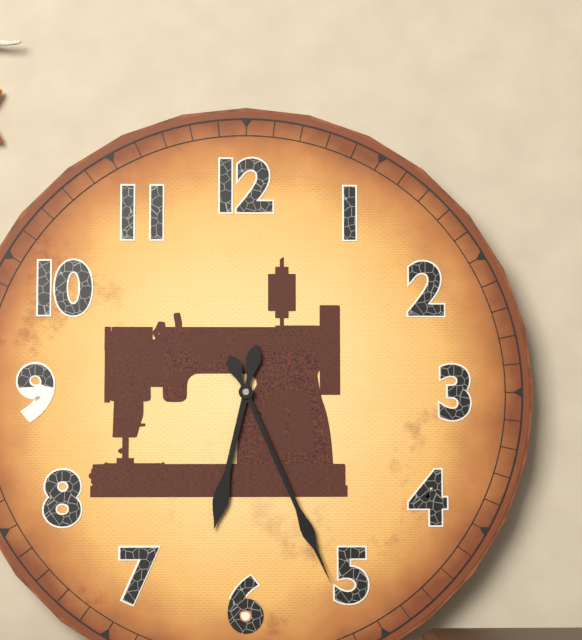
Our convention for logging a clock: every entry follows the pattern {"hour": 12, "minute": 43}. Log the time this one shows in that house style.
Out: {"hour": 6, "minute": 26}
